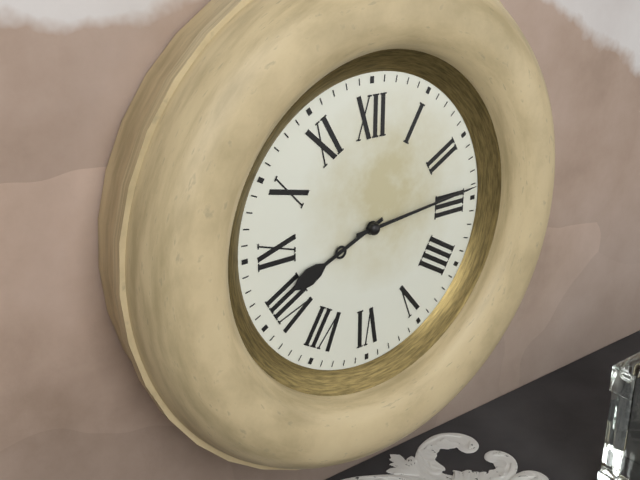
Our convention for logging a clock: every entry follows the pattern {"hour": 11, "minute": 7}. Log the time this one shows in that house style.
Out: {"hour": 8, "minute": 14}
